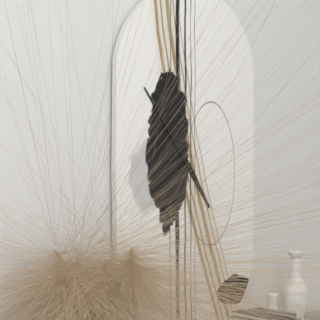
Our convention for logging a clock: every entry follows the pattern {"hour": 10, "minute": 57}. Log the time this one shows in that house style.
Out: {"hour": 4, "minute": 54}
